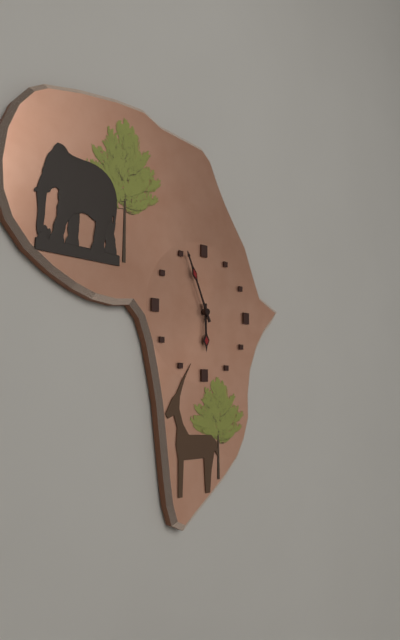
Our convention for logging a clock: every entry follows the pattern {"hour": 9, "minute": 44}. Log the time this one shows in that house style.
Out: {"hour": 5, "minute": 56}
